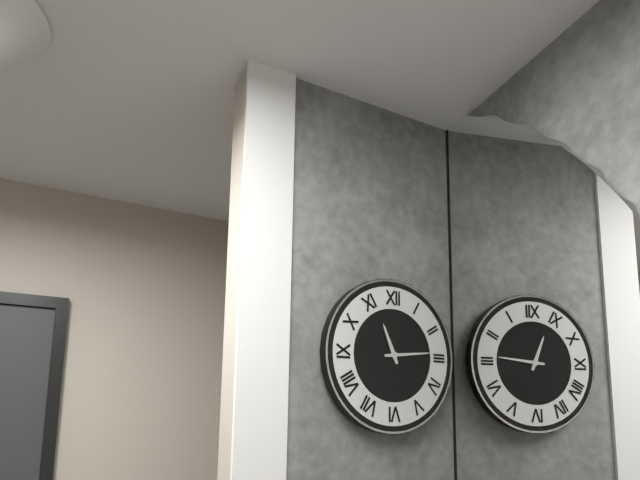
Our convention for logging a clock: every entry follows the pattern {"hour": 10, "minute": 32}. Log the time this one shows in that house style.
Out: {"hour": 11, "minute": 14}
